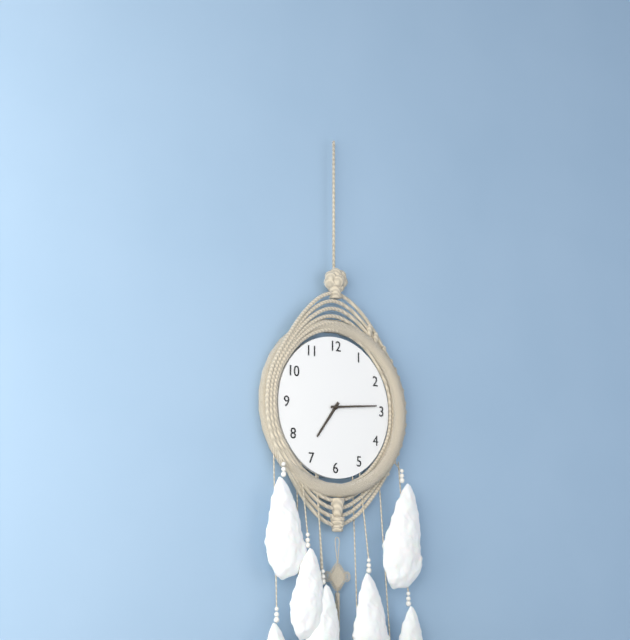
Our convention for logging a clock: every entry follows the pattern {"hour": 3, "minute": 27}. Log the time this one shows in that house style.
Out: {"hour": 7, "minute": 14}
